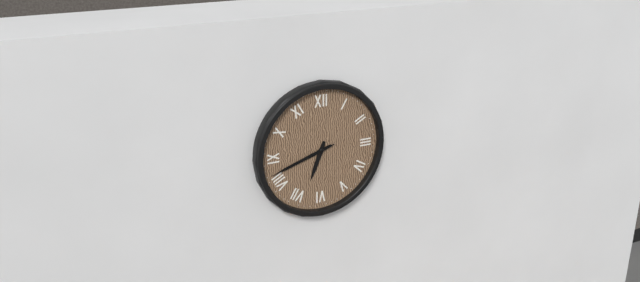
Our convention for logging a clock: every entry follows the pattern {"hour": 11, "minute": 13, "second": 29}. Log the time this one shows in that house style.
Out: {"hour": 6, "minute": 42, "second": 42}
